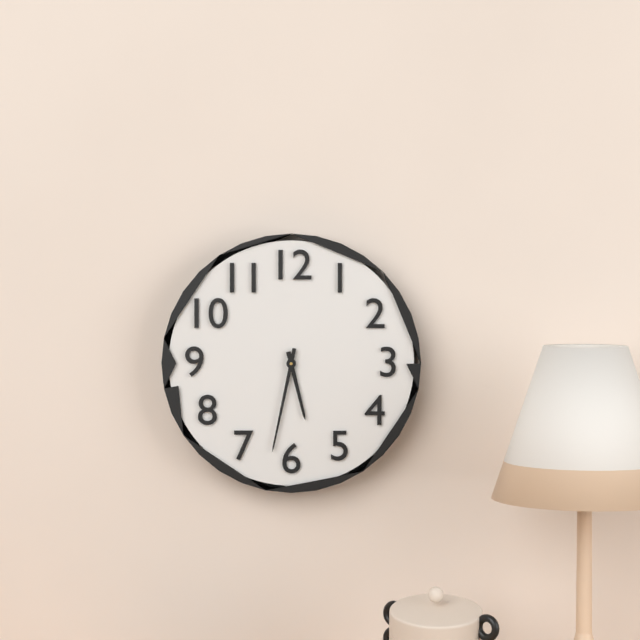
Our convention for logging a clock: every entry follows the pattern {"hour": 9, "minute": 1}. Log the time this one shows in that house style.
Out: {"hour": 5, "minute": 32}
